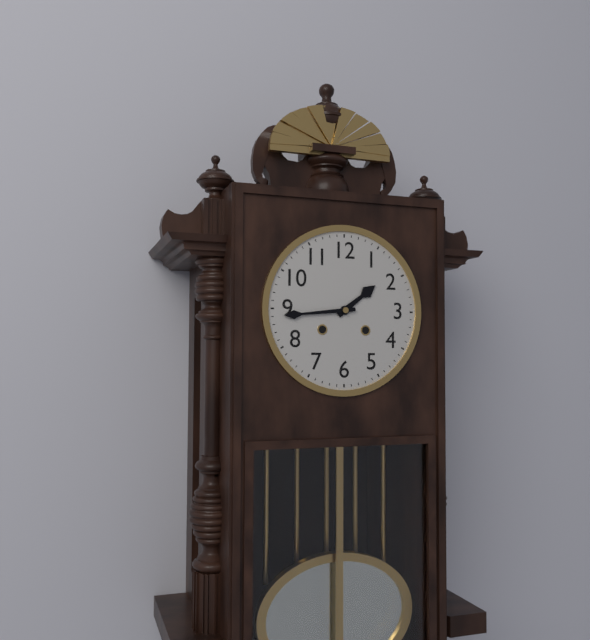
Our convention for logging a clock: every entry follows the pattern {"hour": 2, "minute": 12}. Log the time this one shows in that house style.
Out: {"hour": 1, "minute": 44}
